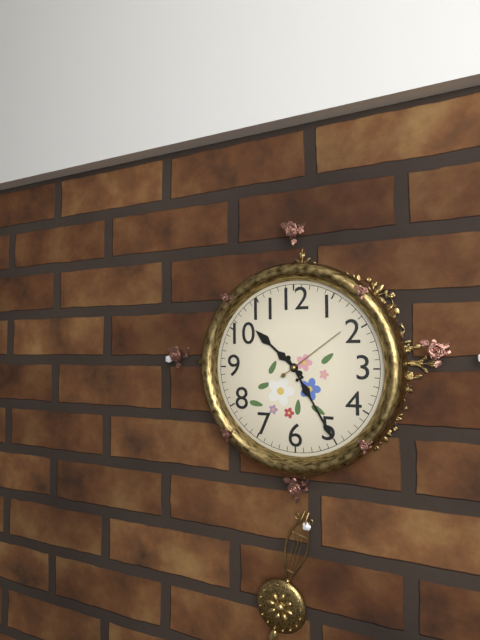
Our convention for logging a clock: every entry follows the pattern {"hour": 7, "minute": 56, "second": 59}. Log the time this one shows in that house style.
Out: {"hour": 10, "minute": 25, "second": 9}
